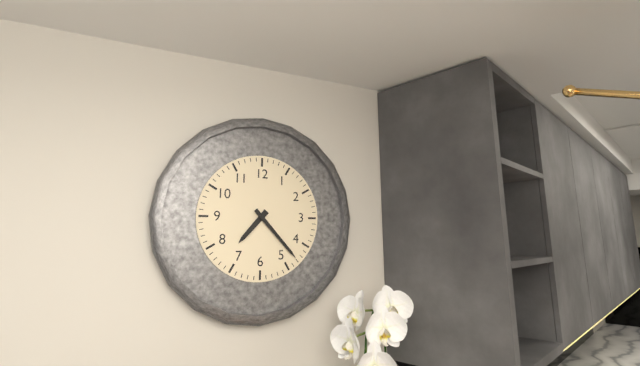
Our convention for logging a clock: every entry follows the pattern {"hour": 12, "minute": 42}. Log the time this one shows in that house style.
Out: {"hour": 7, "minute": 23}
